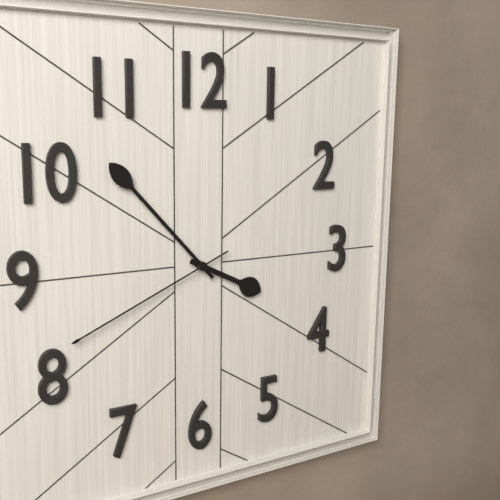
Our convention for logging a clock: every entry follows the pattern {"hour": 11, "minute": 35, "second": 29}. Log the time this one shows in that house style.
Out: {"hour": 3, "minute": 53, "second": 41}
